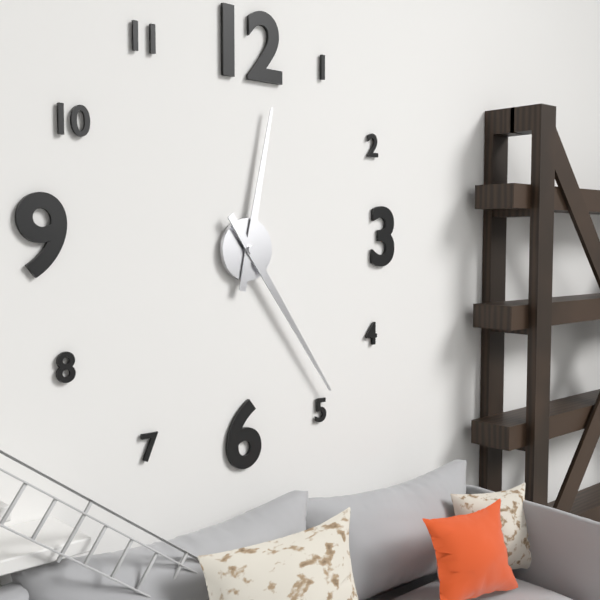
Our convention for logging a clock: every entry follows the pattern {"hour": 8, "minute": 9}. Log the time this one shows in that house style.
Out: {"hour": 12, "minute": 24}
